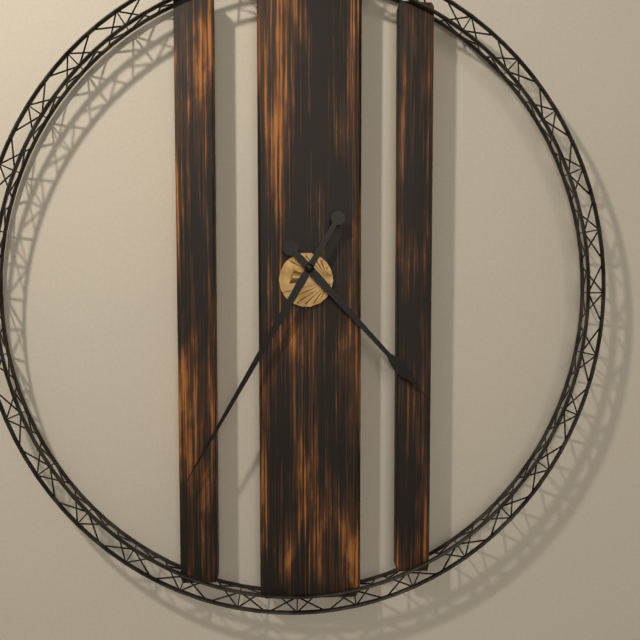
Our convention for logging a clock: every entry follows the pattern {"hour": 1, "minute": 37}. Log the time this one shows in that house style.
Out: {"hour": 4, "minute": 35}
